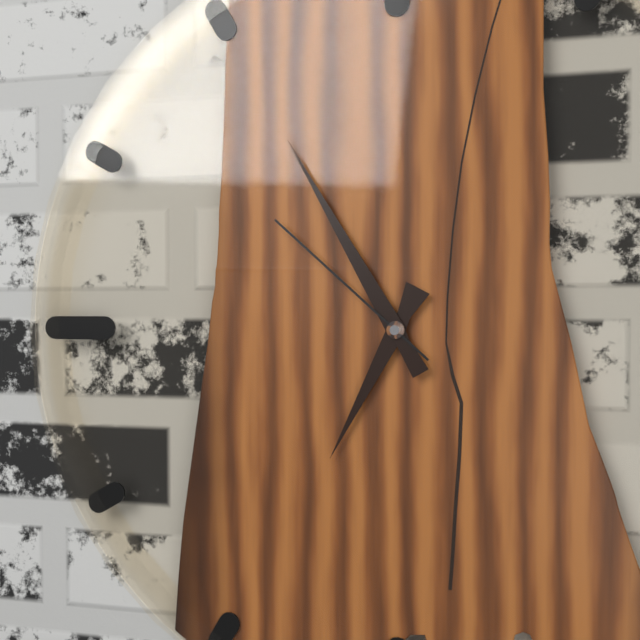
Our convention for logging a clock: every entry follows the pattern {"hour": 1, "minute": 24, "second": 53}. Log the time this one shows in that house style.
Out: {"hour": 6, "minute": 55, "second": 52}
